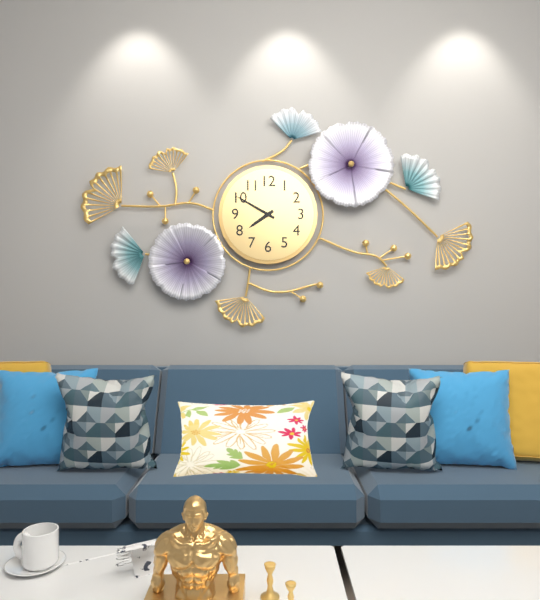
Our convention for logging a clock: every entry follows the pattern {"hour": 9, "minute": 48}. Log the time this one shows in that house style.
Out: {"hour": 7, "minute": 50}
